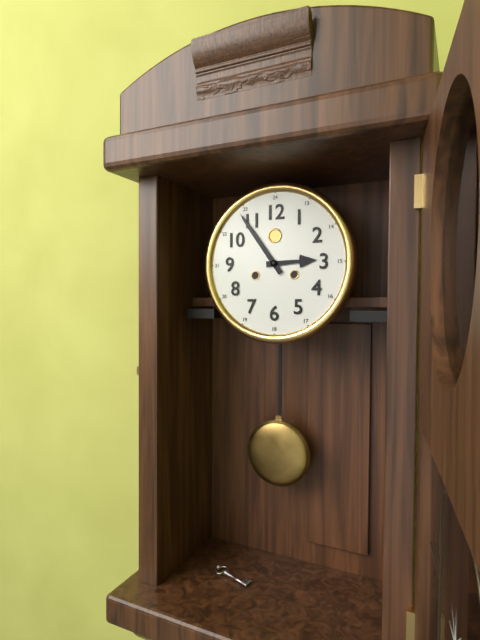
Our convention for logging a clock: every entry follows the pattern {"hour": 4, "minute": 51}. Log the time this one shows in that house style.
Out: {"hour": 2, "minute": 54}
